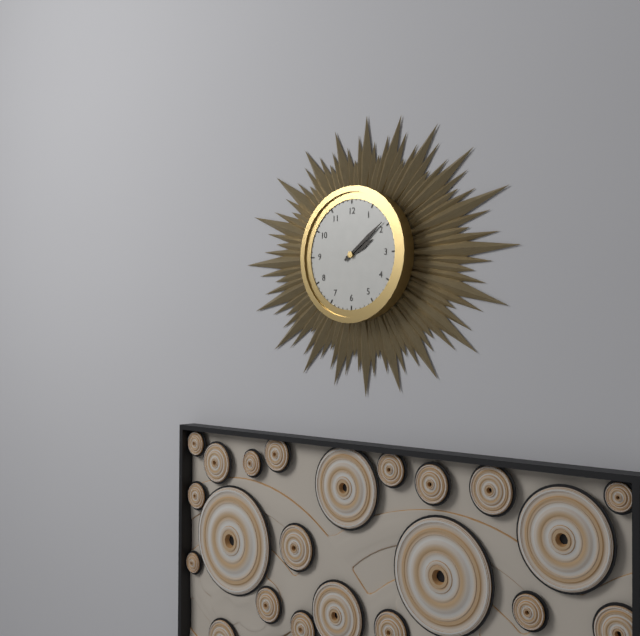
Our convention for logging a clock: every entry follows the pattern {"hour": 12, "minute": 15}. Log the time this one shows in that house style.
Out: {"hour": 2, "minute": 9}
